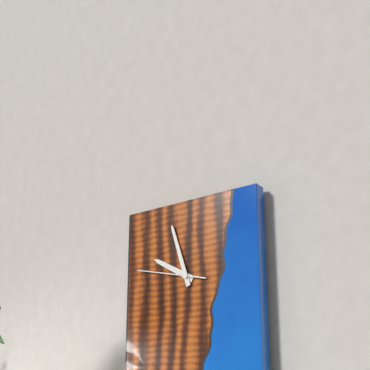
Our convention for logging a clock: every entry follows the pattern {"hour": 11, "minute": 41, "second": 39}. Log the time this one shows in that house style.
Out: {"hour": 9, "minute": 57, "second": 47}
